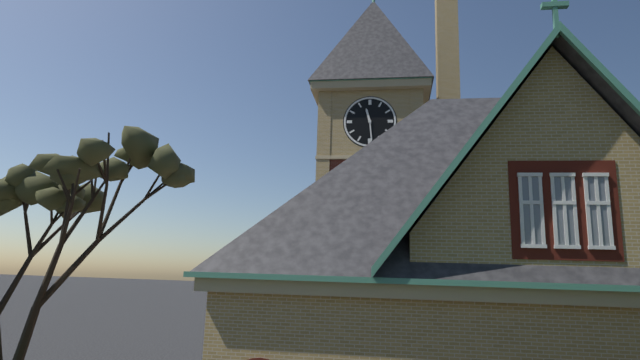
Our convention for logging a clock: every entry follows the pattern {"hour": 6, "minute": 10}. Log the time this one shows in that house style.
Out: {"hour": 11, "minute": 29}
